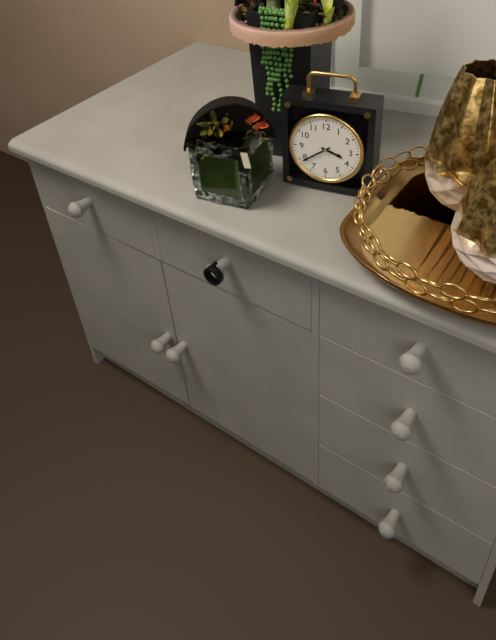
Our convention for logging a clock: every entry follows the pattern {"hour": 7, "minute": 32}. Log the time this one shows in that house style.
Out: {"hour": 3, "minute": 39}
